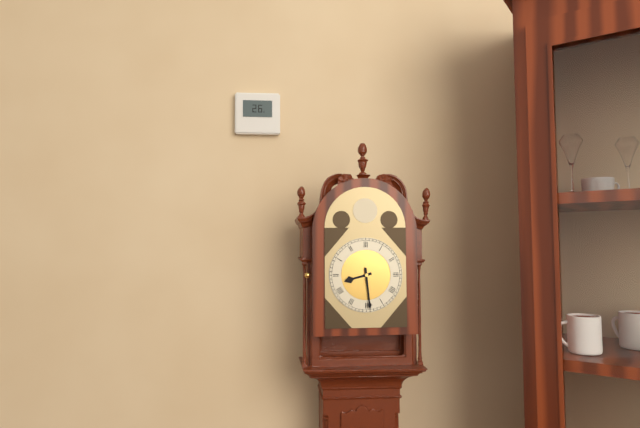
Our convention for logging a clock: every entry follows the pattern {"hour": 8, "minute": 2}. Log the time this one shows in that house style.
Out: {"hour": 8, "minute": 29}
